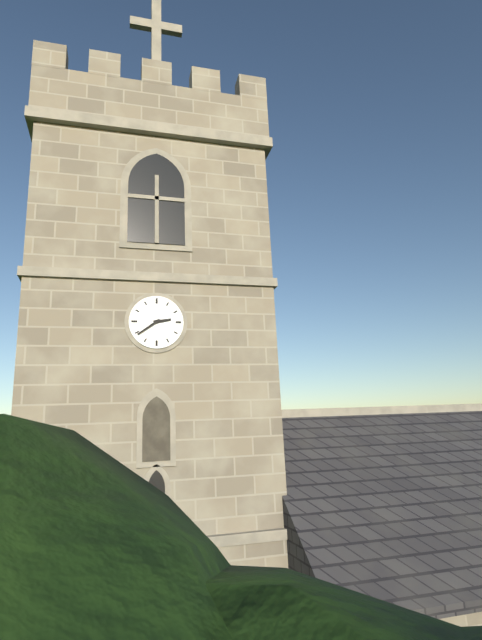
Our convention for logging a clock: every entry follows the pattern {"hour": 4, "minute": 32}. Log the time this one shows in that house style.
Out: {"hour": 2, "minute": 39}
